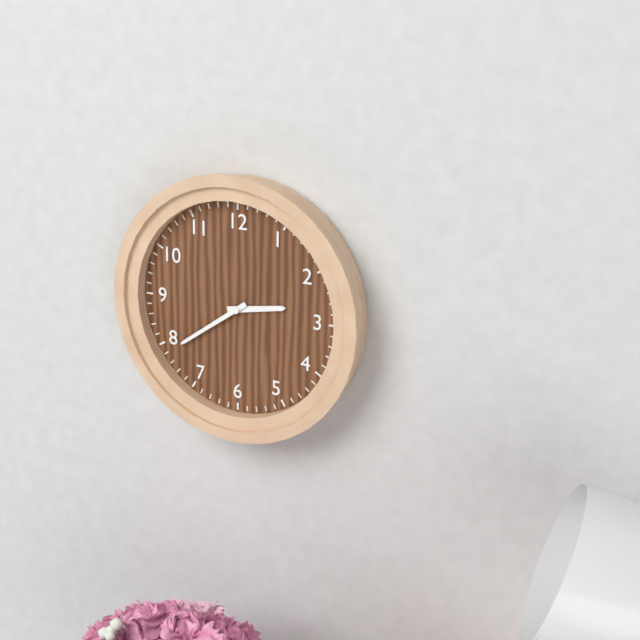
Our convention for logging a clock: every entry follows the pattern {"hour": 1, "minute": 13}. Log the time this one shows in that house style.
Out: {"hour": 2, "minute": 39}
